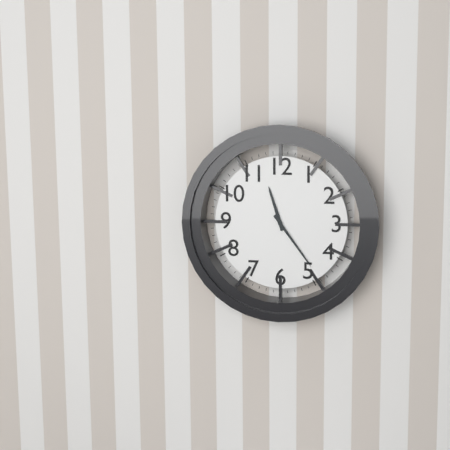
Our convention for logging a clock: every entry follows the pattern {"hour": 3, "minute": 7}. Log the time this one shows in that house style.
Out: {"hour": 11, "minute": 24}
